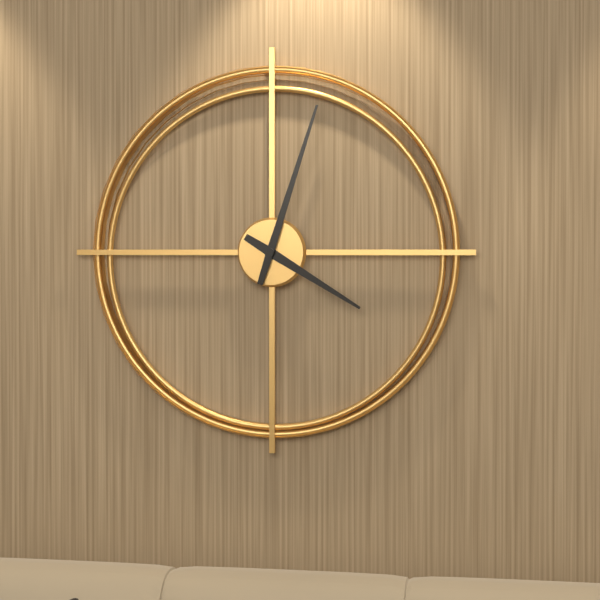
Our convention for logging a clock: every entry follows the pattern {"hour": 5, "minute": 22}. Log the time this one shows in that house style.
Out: {"hour": 4, "minute": 3}
